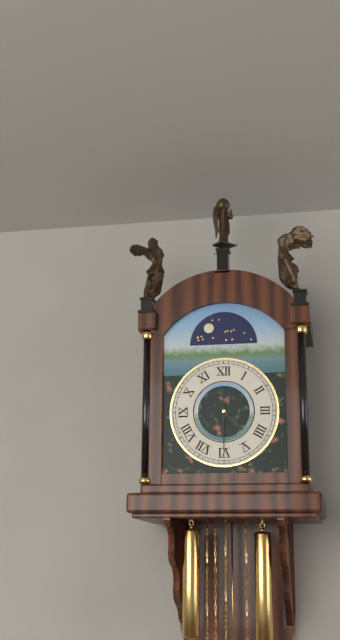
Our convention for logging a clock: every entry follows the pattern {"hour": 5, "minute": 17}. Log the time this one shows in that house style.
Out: {"hour": 4, "minute": 30}
